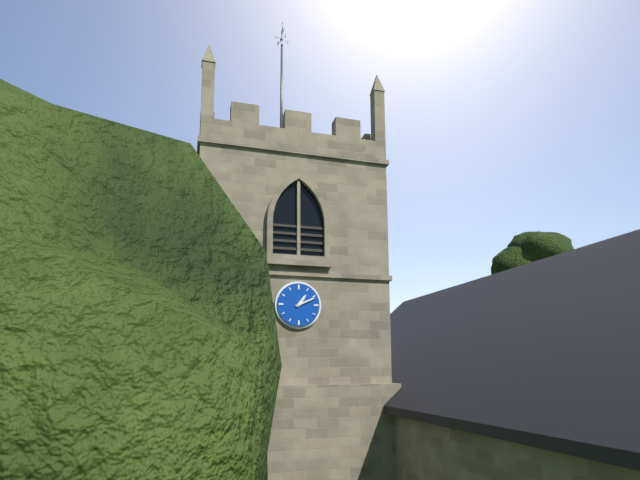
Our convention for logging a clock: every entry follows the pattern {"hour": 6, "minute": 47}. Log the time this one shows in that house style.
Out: {"hour": 1, "minute": 11}
